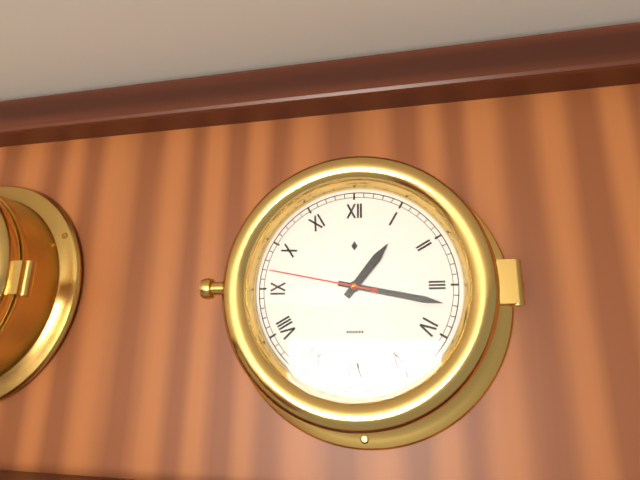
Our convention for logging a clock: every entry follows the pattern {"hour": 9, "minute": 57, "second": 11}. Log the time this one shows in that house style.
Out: {"hour": 1, "minute": 17, "second": 47}
